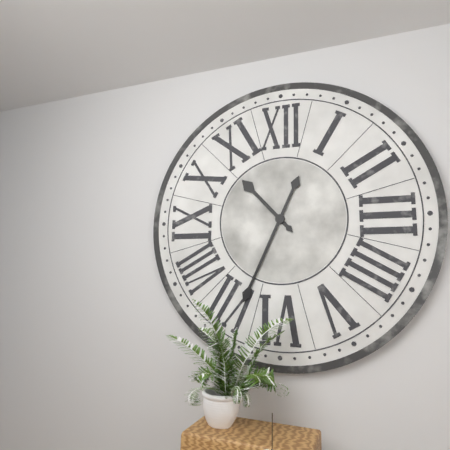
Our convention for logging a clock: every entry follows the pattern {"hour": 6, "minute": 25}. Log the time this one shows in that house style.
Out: {"hour": 10, "minute": 34}
